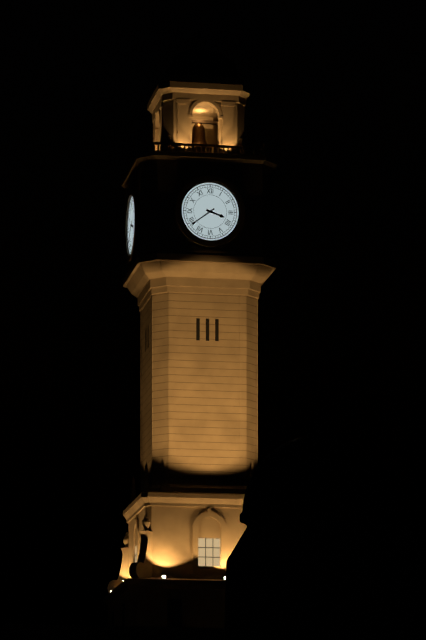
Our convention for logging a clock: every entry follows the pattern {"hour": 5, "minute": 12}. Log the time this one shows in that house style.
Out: {"hour": 3, "minute": 39}
